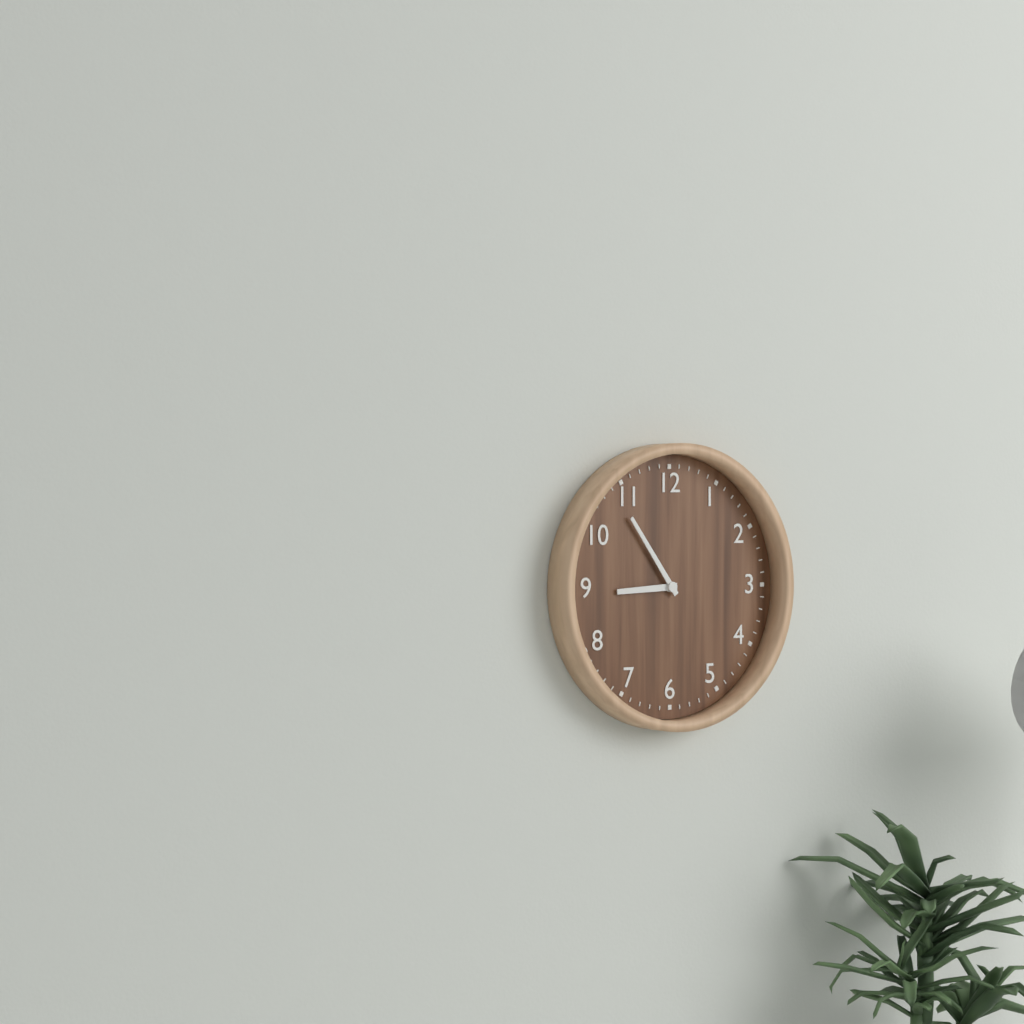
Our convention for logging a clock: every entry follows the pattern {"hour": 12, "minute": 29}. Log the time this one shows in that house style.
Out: {"hour": 8, "minute": 54}
